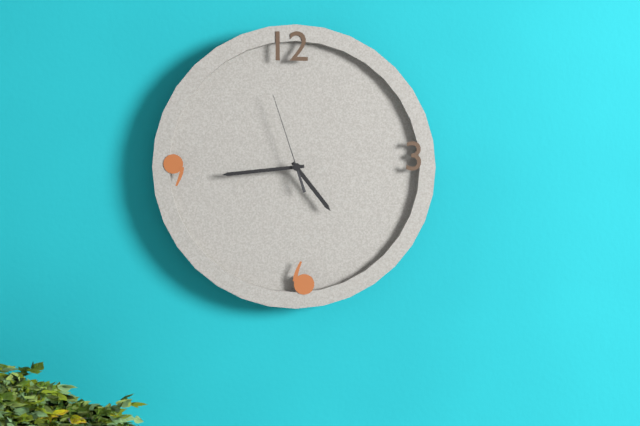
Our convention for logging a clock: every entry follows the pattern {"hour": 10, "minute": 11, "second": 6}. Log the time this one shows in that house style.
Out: {"hour": 4, "minute": 44, "second": 57}
